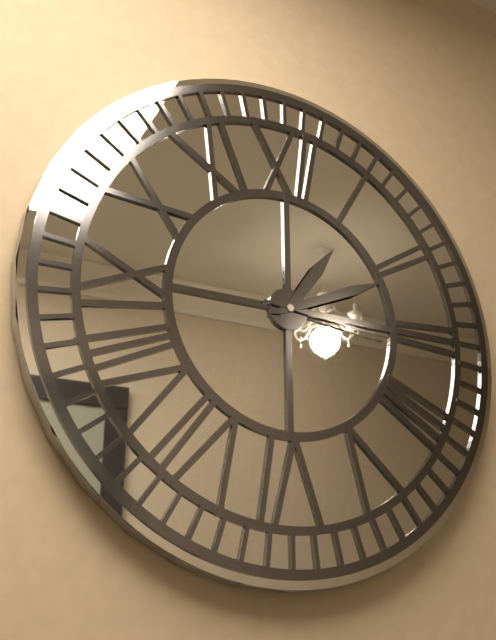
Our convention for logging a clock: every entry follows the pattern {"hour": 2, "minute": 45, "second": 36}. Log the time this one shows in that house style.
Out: {"hour": 1, "minute": 11, "second": 16}
